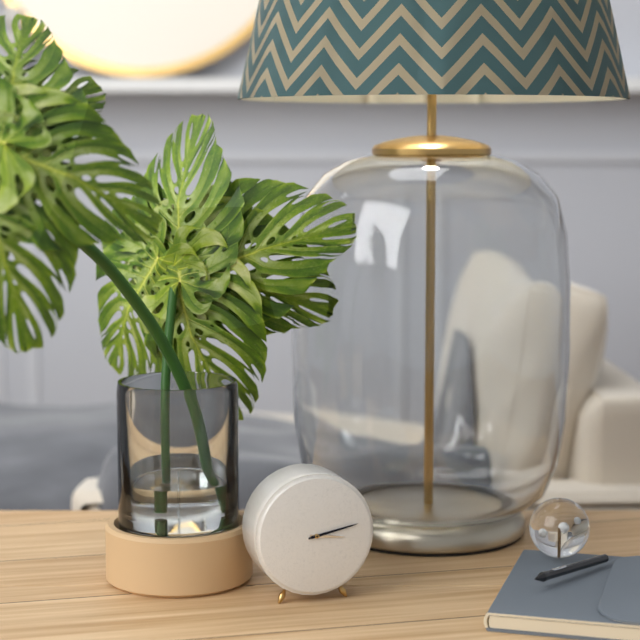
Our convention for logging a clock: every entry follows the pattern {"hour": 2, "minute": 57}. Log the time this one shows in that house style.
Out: {"hour": 3, "minute": 13}
